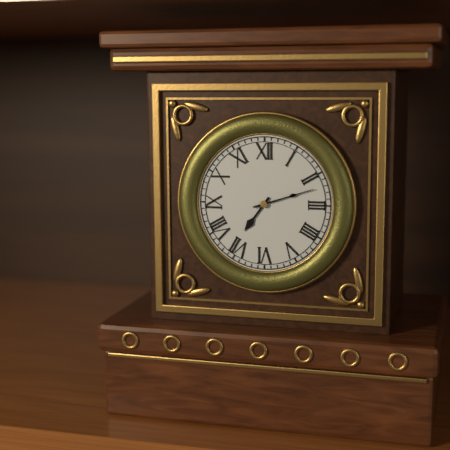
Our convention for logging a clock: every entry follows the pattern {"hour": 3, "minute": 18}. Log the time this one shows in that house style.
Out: {"hour": 7, "minute": 12}
